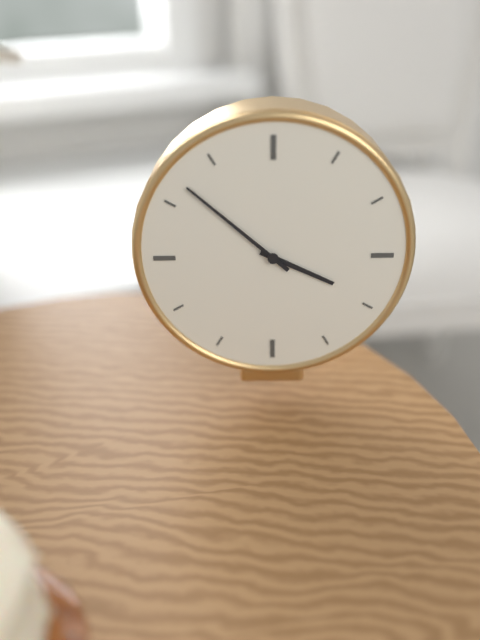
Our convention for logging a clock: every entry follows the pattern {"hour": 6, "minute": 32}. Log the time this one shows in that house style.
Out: {"hour": 3, "minute": 52}
